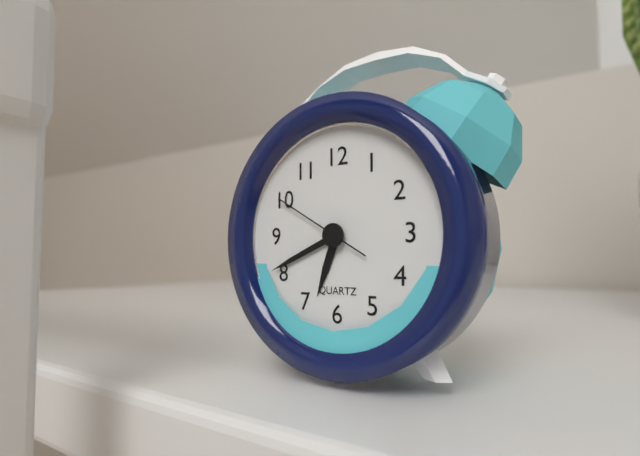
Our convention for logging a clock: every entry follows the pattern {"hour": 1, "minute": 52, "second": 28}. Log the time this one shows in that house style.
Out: {"hour": 6, "minute": 41, "second": 50}
